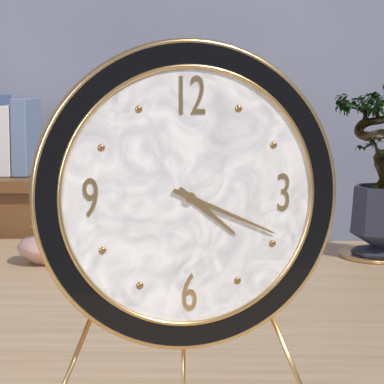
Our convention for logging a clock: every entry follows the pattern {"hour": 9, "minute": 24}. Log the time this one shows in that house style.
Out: {"hour": 4, "minute": 19}
